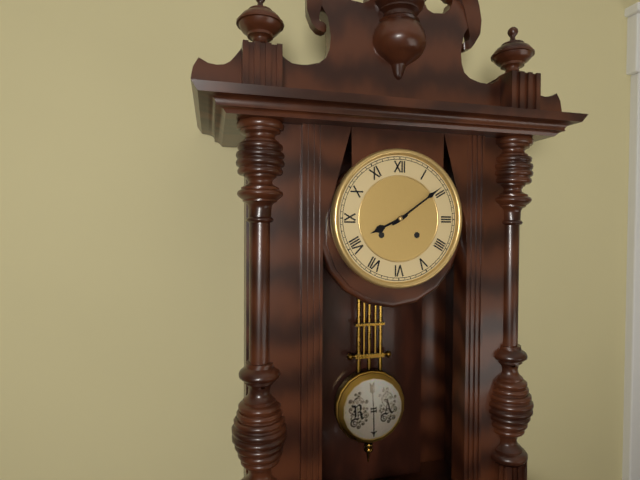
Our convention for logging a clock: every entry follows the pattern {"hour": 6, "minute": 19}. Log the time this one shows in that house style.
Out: {"hour": 8, "minute": 9}
